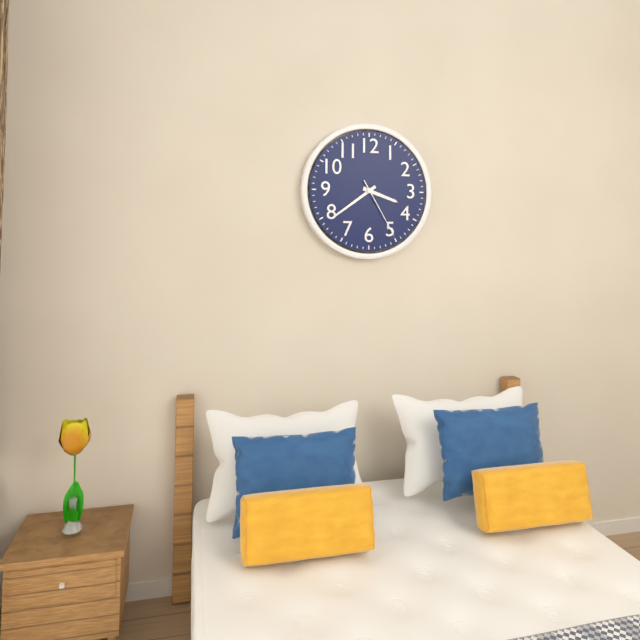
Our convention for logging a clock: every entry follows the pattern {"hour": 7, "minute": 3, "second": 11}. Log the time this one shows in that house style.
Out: {"hour": 3, "minute": 39, "second": 25}
